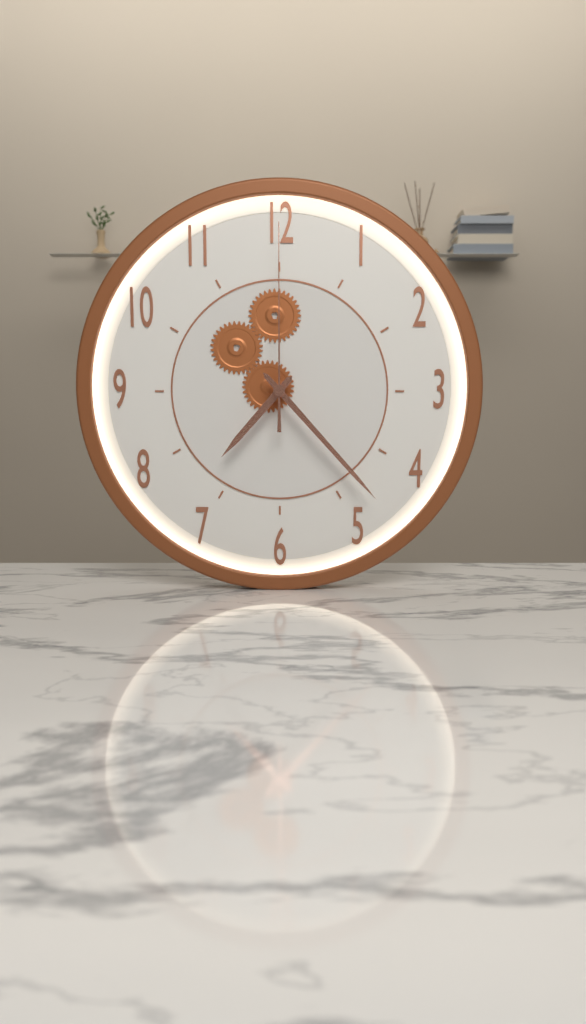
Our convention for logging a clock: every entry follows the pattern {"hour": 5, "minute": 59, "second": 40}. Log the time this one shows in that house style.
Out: {"hour": 7, "minute": 23, "second": 0}
